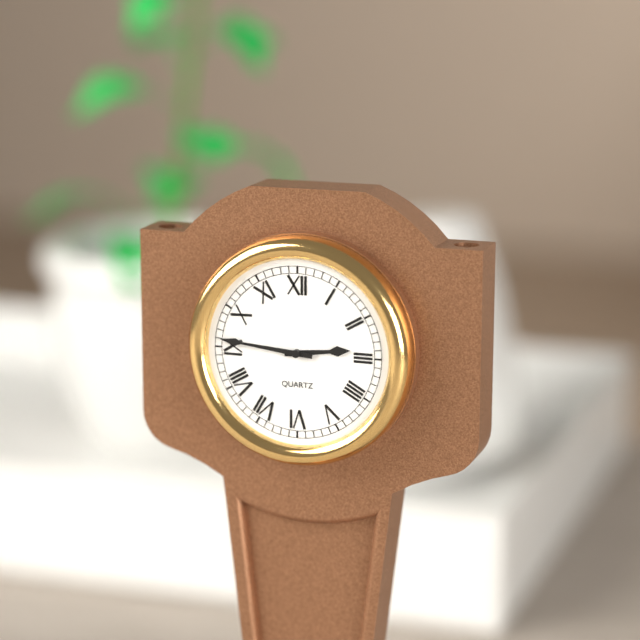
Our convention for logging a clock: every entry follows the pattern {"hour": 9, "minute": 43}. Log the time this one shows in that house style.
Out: {"hour": 2, "minute": 46}
